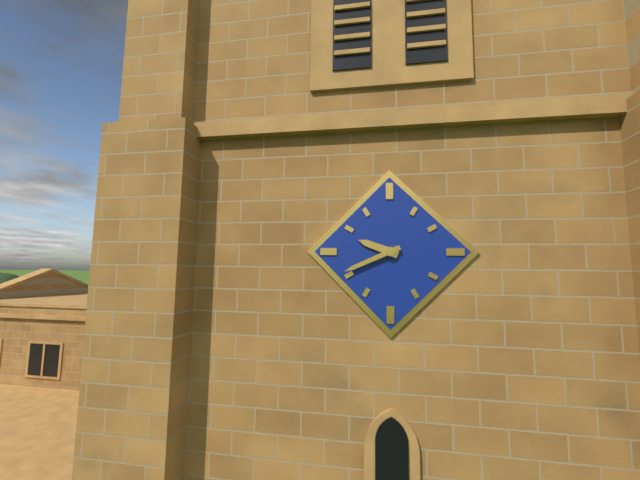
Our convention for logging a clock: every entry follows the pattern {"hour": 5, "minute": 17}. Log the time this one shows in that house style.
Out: {"hour": 9, "minute": 41}
